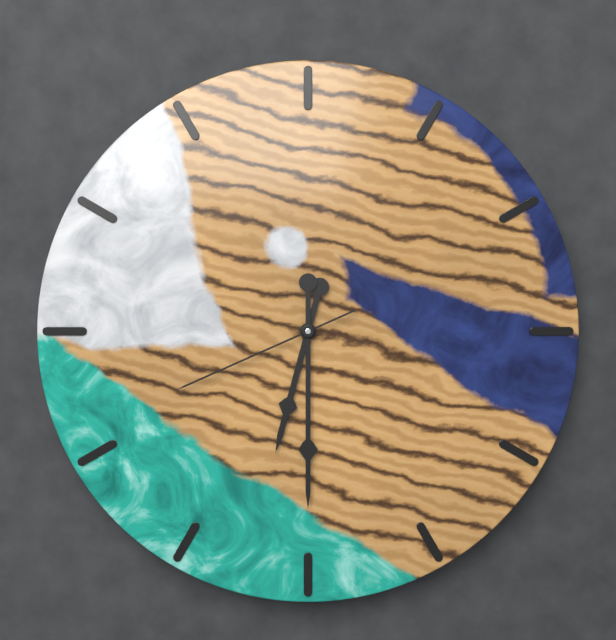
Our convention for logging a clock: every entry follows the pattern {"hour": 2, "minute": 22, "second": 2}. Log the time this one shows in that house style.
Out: {"hour": 6, "minute": 30, "second": 41}
